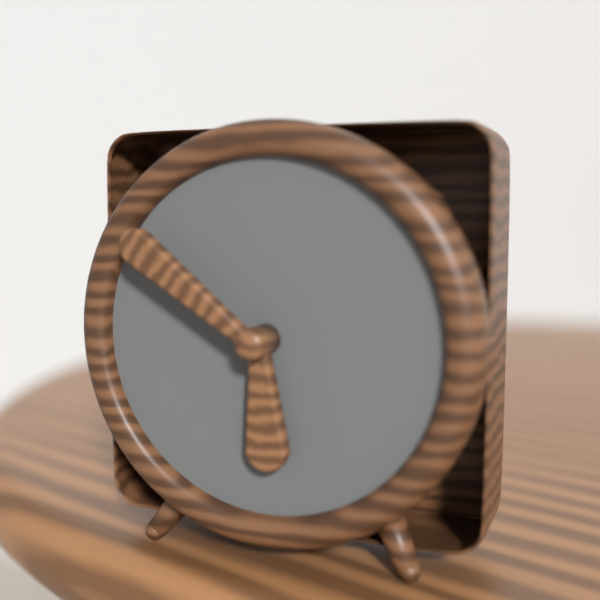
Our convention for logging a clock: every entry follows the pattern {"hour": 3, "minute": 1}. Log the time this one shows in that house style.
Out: {"hour": 5, "minute": 51}
